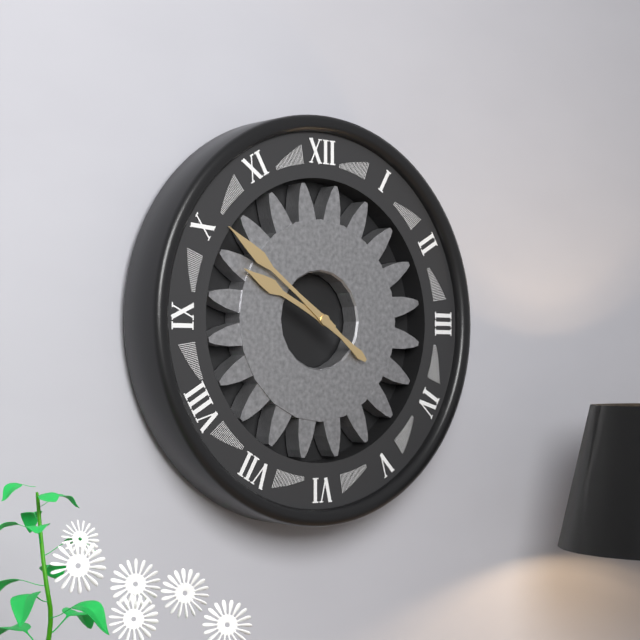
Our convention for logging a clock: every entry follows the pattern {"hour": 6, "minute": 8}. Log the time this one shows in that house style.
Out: {"hour": 9, "minute": 51}
